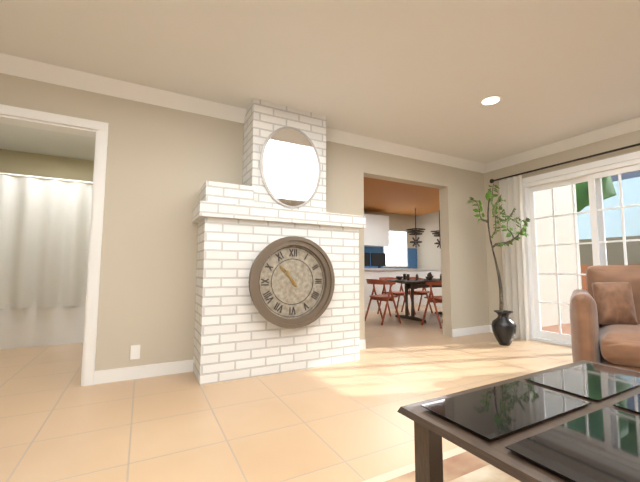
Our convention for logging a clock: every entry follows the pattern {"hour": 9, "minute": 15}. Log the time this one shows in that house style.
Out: {"hour": 10, "minute": 53}
